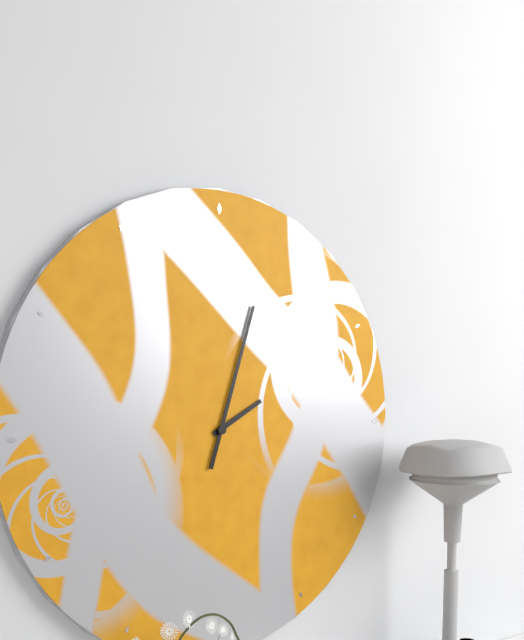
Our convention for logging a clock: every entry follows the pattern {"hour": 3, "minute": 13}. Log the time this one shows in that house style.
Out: {"hour": 2, "minute": 3}
